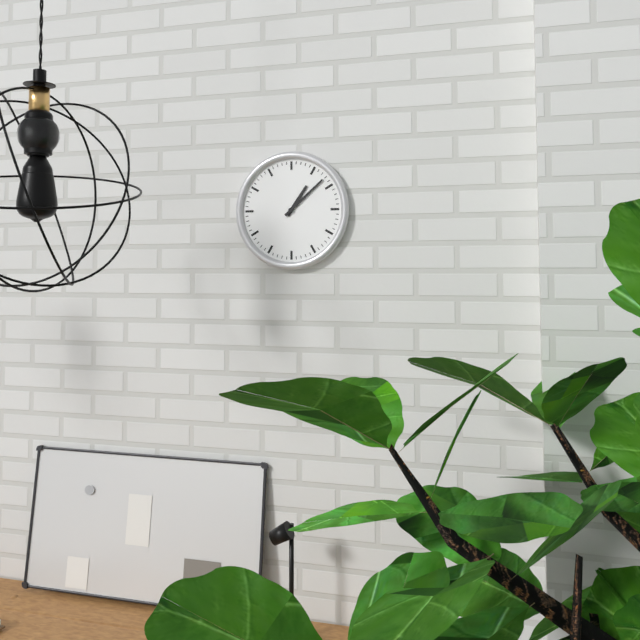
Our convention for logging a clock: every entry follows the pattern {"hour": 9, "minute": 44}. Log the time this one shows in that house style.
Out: {"hour": 1, "minute": 8}
